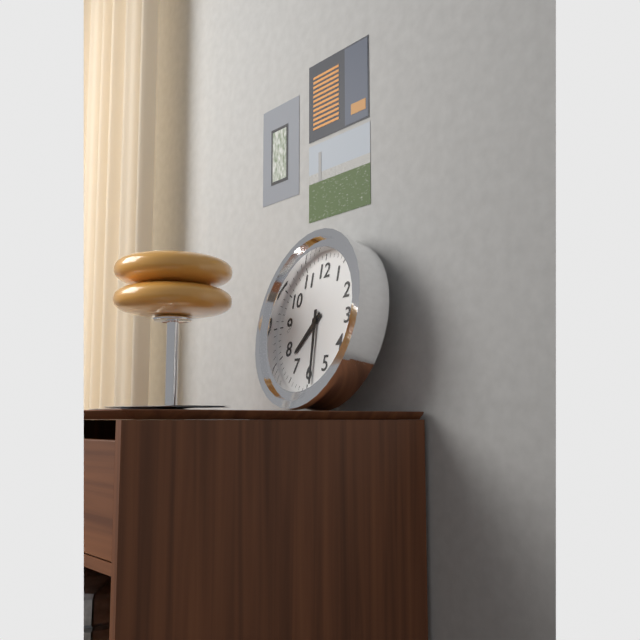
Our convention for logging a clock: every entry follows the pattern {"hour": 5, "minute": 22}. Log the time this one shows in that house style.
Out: {"hour": 7, "minute": 29}
